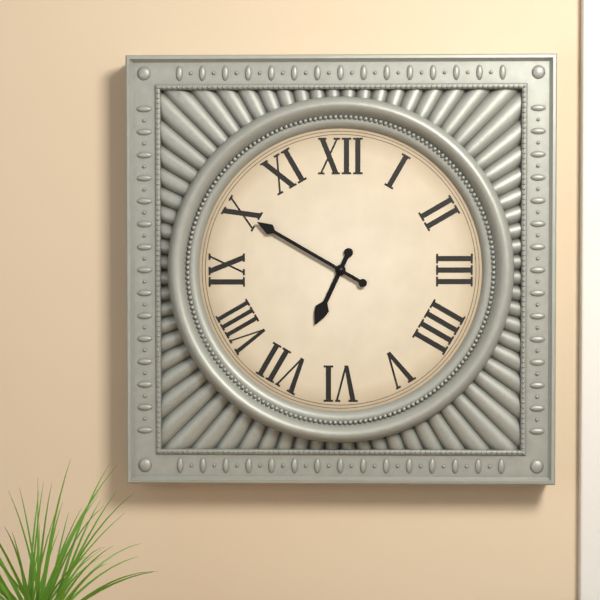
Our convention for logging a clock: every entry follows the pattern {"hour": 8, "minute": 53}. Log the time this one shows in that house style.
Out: {"hour": 6, "minute": 50}
